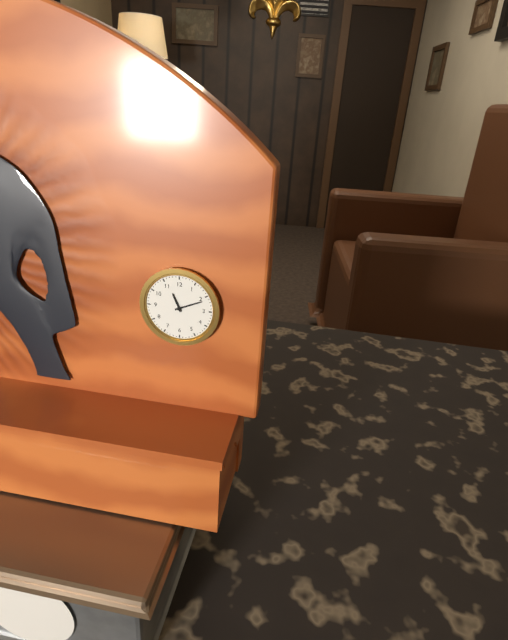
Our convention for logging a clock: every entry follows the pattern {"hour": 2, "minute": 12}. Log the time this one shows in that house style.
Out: {"hour": 11, "minute": 11}
